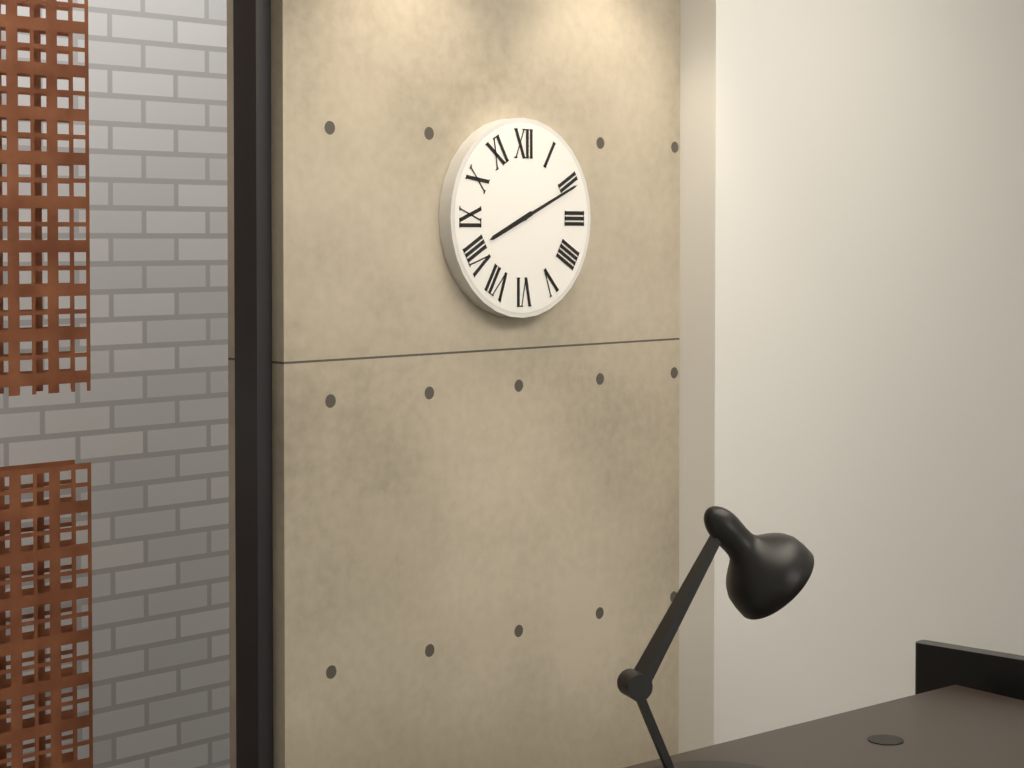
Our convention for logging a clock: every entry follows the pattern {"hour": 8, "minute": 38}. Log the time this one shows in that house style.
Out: {"hour": 8, "minute": 11}
